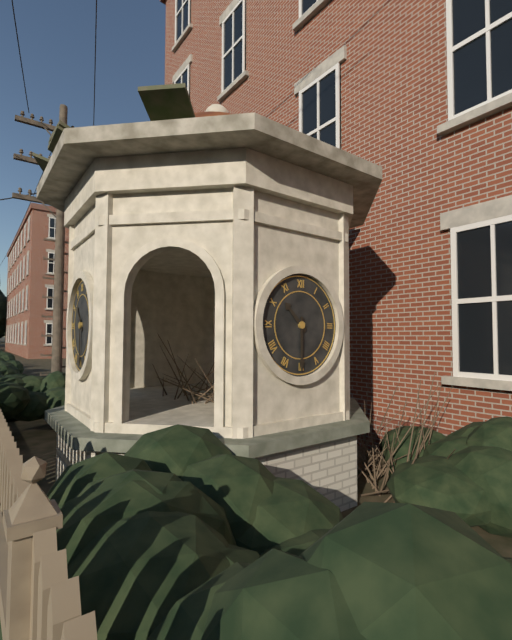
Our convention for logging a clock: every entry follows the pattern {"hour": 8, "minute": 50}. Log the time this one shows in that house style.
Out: {"hour": 10, "minute": 30}
